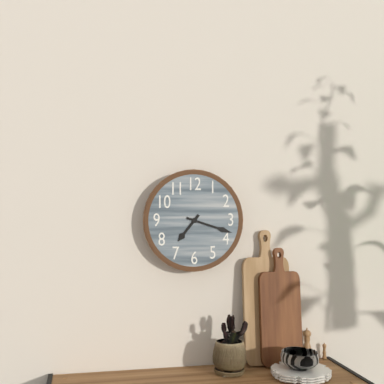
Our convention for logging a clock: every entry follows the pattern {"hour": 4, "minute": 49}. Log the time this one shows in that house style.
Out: {"hour": 7, "minute": 18}
